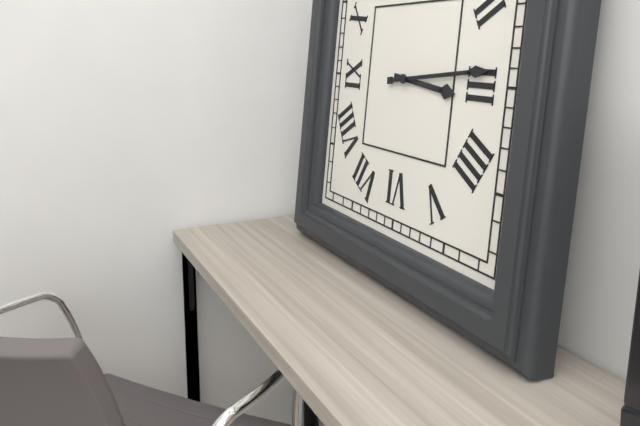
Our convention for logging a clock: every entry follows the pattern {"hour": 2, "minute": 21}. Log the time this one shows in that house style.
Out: {"hour": 3, "minute": 14}
